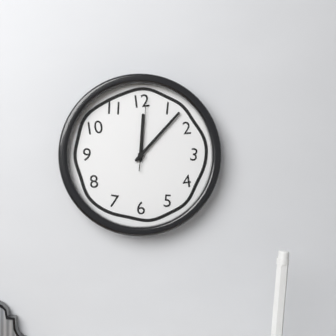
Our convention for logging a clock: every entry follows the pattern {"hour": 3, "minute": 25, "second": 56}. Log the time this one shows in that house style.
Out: {"hour": 12, "minute": 7, "second": 1}
